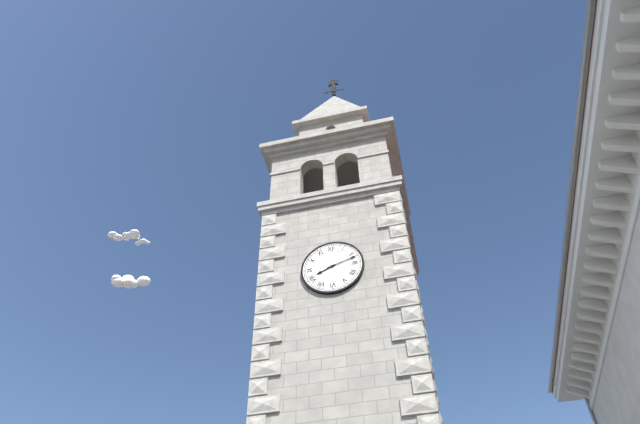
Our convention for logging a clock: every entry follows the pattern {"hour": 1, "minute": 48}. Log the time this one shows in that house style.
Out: {"hour": 8, "minute": 12}
